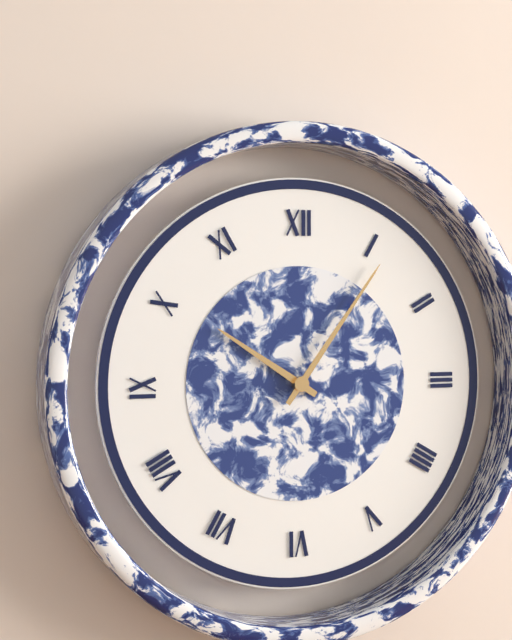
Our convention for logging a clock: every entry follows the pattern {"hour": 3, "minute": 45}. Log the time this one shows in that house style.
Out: {"hour": 10, "minute": 6}
